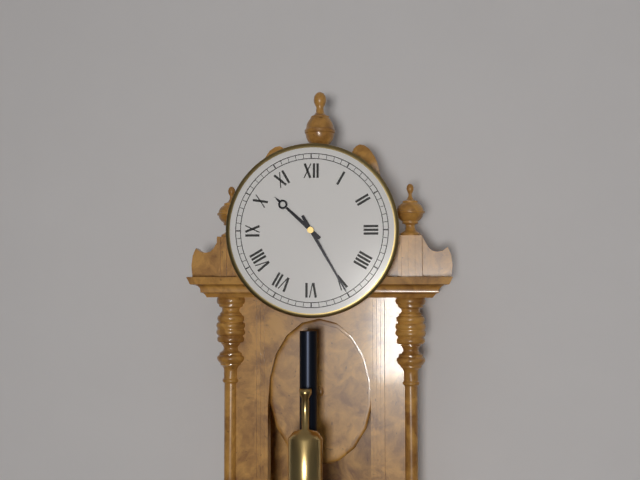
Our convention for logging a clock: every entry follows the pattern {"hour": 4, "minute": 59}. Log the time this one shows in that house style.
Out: {"hour": 10, "minute": 25}
